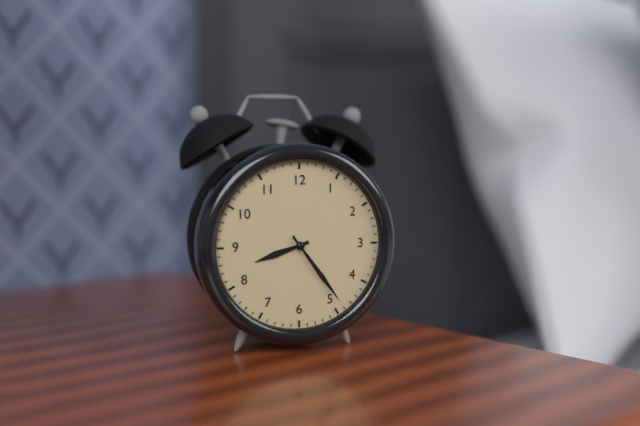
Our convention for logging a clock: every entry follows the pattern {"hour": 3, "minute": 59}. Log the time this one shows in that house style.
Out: {"hour": 8, "minute": 24}
